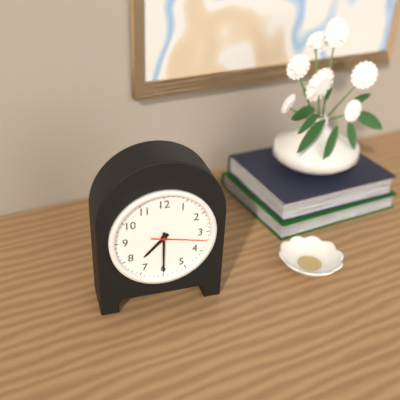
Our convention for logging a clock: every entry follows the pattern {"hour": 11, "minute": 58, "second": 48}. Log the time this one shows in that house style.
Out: {"hour": 7, "minute": 30, "second": 17}
